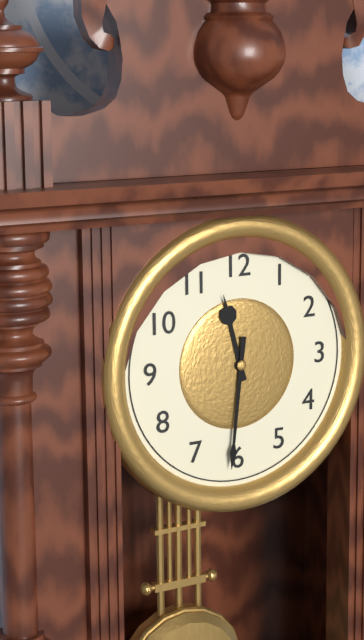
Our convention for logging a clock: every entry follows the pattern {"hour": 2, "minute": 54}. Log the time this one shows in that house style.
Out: {"hour": 11, "minute": 31}
